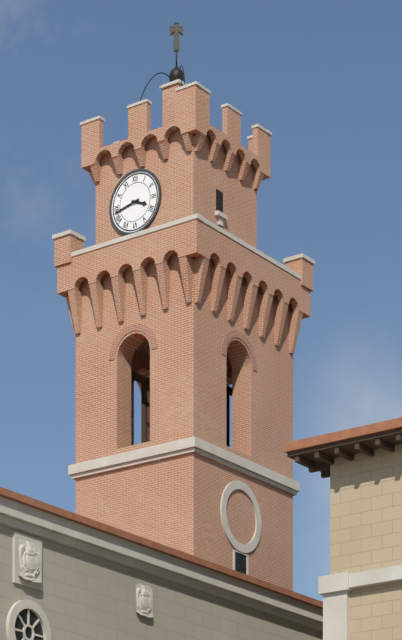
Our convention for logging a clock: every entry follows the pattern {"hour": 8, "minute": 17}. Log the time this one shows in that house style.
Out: {"hour": 3, "minute": 43}
